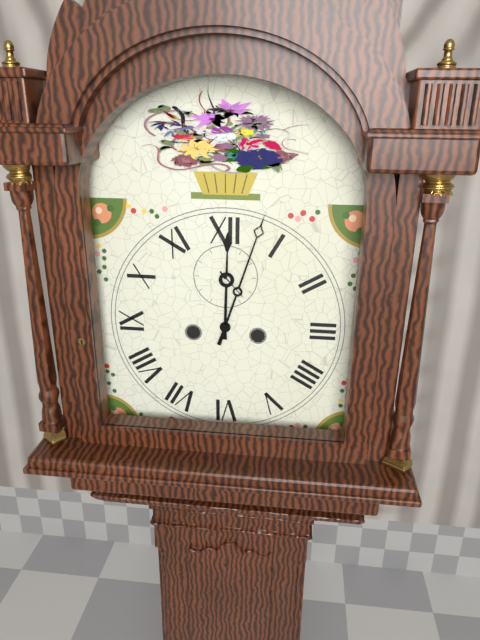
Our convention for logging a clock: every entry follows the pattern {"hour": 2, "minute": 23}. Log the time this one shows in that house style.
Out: {"hour": 12, "minute": 3}
